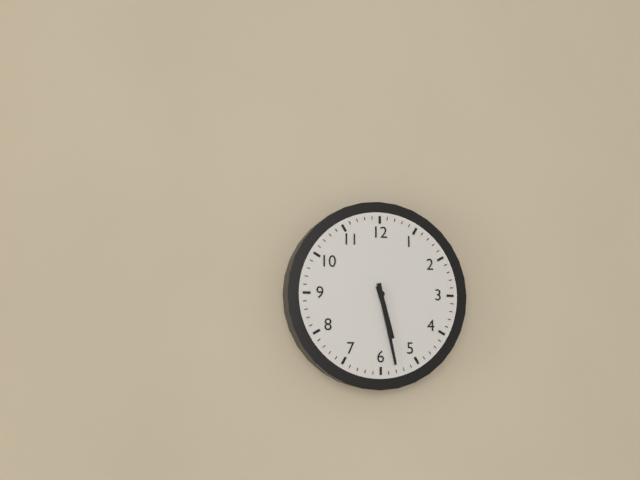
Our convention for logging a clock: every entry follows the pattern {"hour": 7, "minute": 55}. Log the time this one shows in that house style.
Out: {"hour": 5, "minute": 28}
